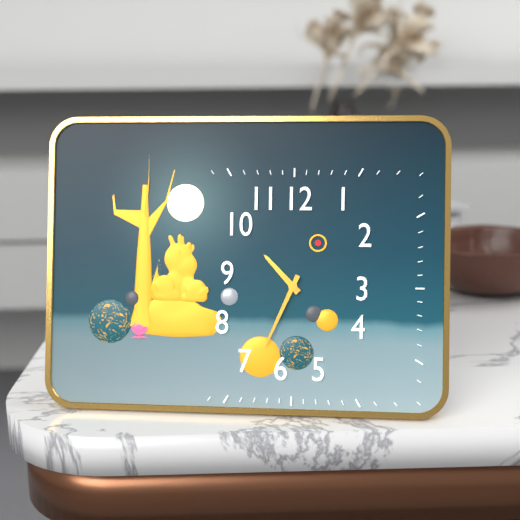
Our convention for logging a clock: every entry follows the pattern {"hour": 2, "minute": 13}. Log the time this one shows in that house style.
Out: {"hour": 10, "minute": 34}
